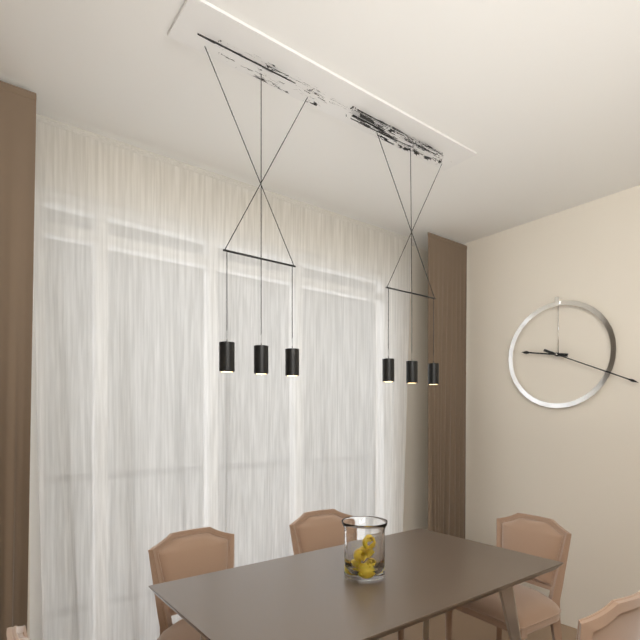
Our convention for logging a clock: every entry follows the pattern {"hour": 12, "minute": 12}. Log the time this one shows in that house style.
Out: {"hour": 9, "minute": 19}
